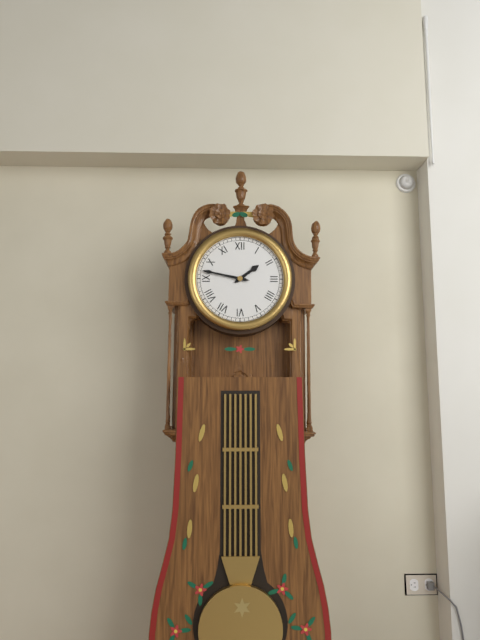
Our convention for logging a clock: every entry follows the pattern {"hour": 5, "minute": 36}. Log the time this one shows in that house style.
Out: {"hour": 1, "minute": 47}
